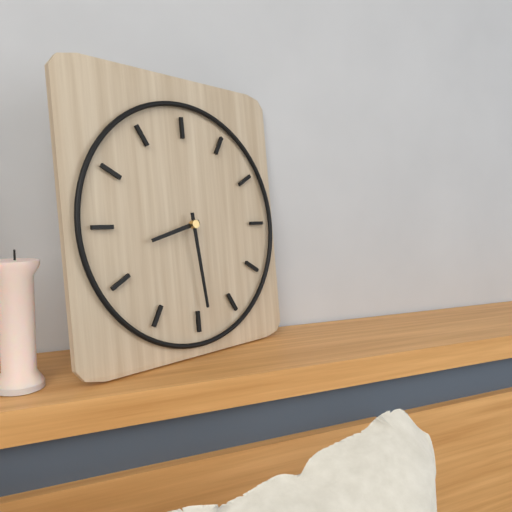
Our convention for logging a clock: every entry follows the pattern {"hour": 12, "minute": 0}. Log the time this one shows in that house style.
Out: {"hour": 8, "minute": 29}
